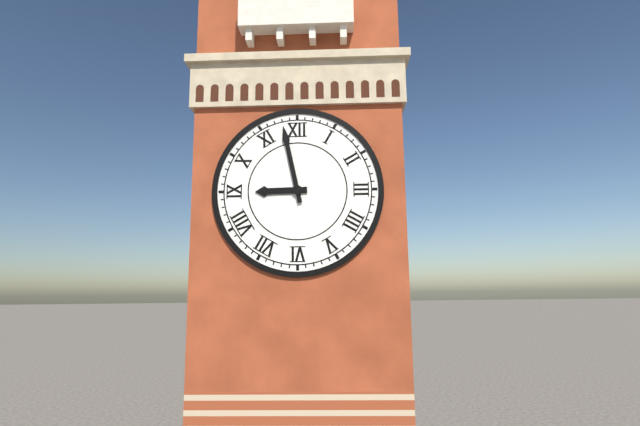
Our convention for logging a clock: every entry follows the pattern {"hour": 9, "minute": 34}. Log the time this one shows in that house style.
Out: {"hour": 8, "minute": 58}
